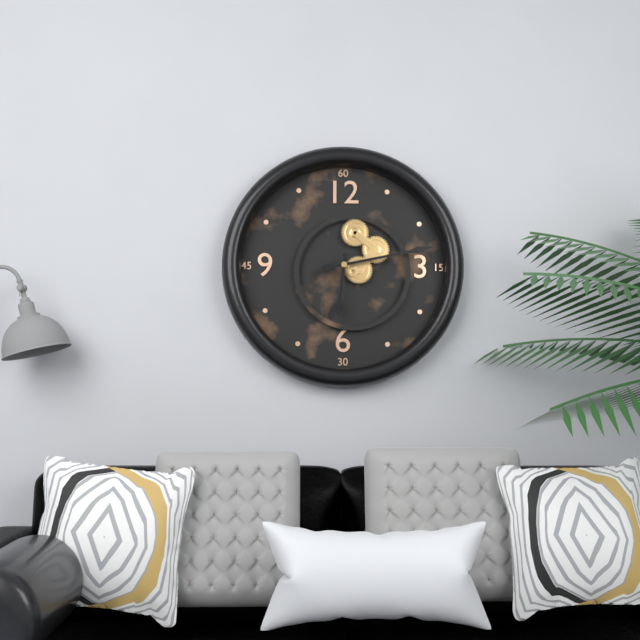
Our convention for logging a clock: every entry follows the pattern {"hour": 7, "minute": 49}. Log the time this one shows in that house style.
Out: {"hour": 6, "minute": 13}
